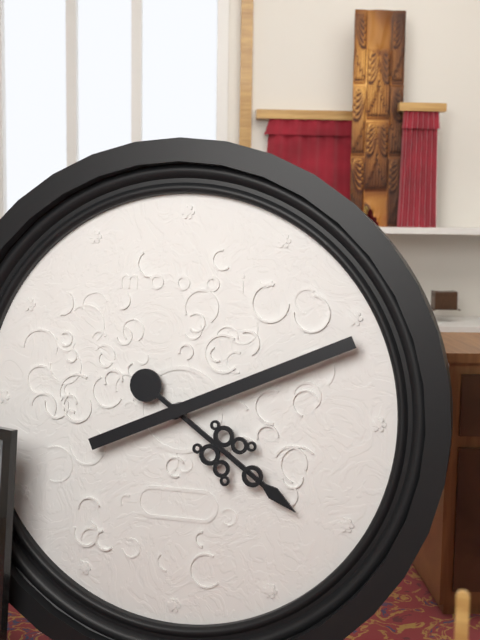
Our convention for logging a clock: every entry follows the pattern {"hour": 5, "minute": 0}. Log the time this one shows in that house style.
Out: {"hour": 4, "minute": 11}
